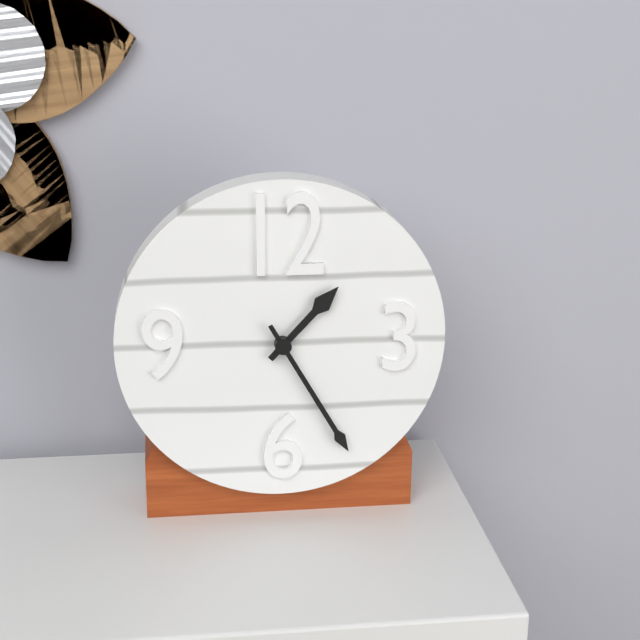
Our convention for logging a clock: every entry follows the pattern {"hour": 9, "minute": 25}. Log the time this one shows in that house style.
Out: {"hour": 1, "minute": 25}
